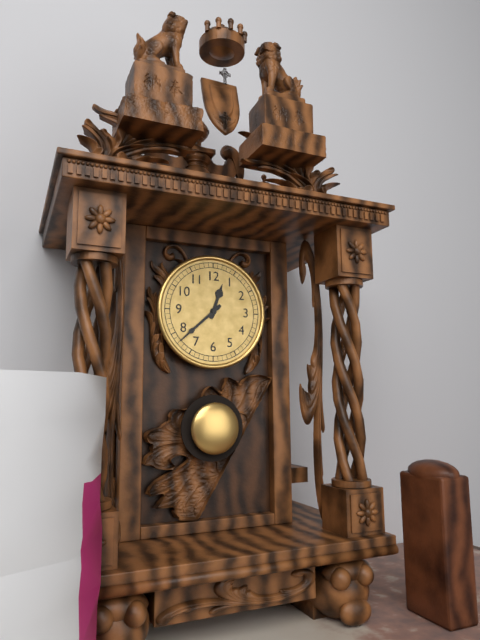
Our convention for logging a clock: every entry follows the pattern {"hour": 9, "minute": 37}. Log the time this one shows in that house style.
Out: {"hour": 12, "minute": 38}
